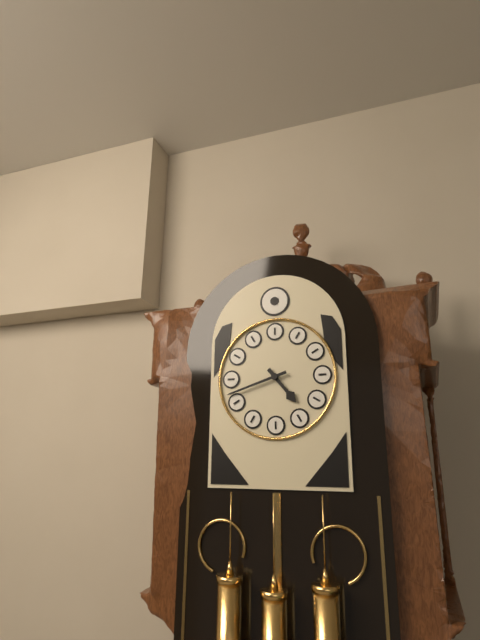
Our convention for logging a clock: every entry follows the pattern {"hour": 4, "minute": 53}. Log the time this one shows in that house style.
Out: {"hour": 4, "minute": 42}
